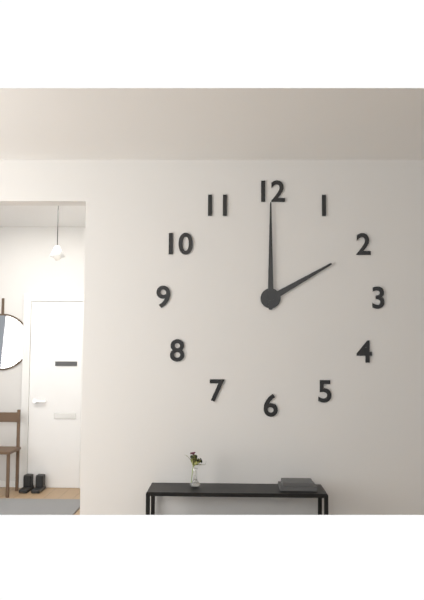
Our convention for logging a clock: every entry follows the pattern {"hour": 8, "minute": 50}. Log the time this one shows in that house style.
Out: {"hour": 2, "minute": 0}
